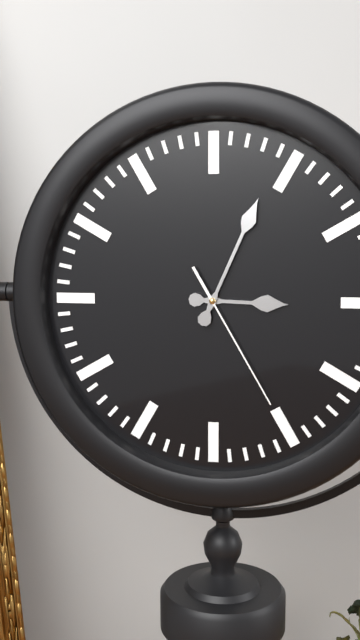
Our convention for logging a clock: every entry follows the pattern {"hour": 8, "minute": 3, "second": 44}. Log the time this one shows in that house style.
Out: {"hour": 3, "minute": 4, "second": 25}
